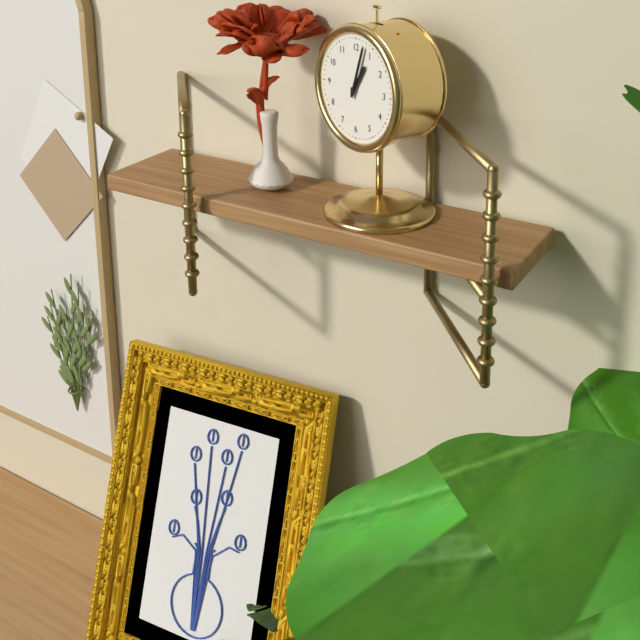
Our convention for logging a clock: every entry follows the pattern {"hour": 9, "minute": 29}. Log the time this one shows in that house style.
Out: {"hour": 1, "minute": 3}
